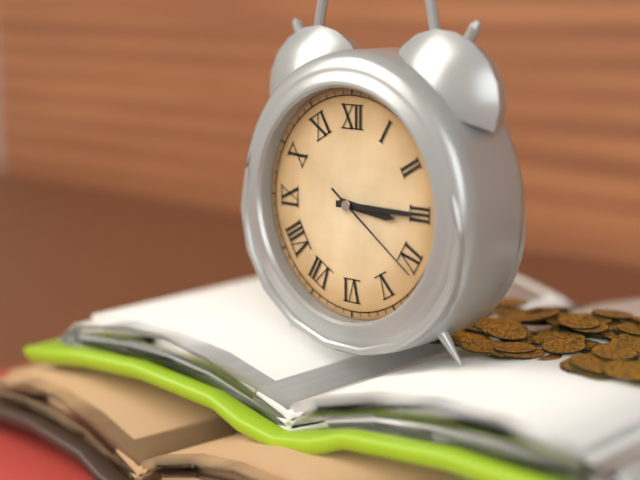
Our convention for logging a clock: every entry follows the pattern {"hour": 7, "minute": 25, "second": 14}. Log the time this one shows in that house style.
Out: {"hour": 3, "minute": 15, "second": 21}
